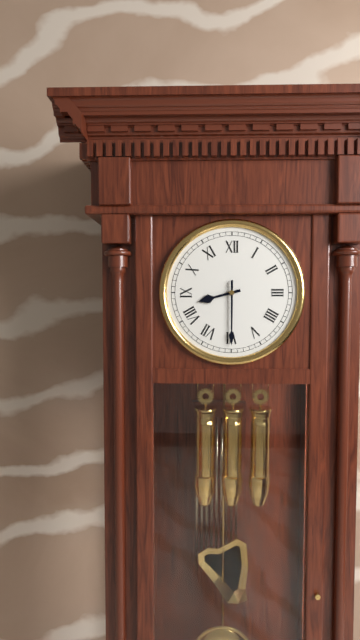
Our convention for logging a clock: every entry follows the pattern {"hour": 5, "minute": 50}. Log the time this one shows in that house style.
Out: {"hour": 8, "minute": 30}
